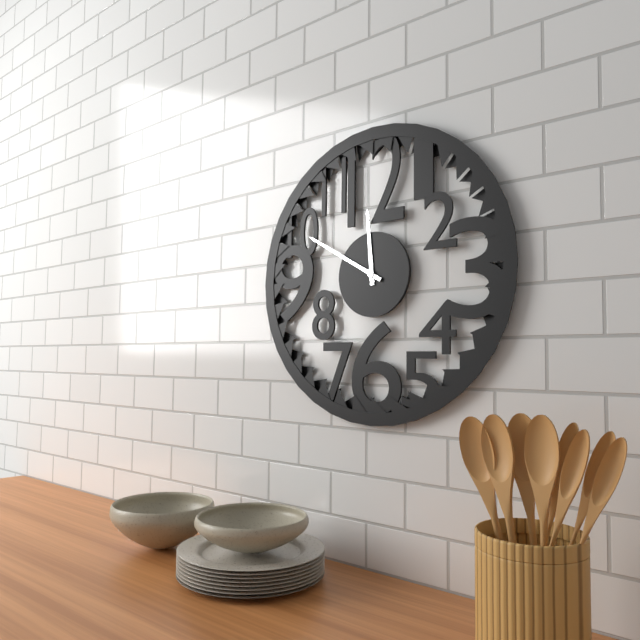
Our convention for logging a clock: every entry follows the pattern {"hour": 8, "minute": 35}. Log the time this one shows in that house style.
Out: {"hour": 11, "minute": 50}
